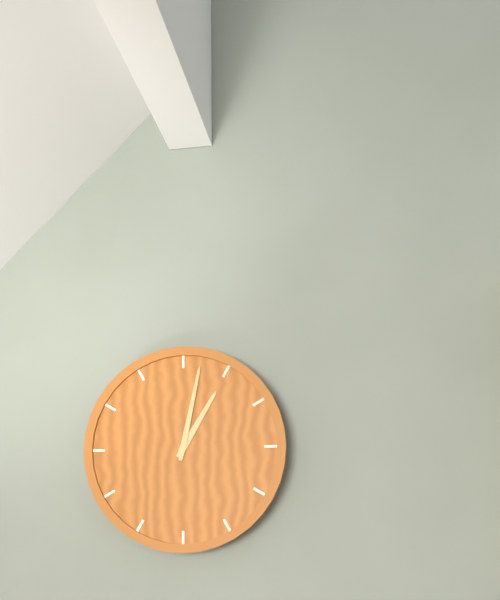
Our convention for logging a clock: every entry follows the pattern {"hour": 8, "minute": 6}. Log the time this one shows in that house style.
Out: {"hour": 1, "minute": 2}
